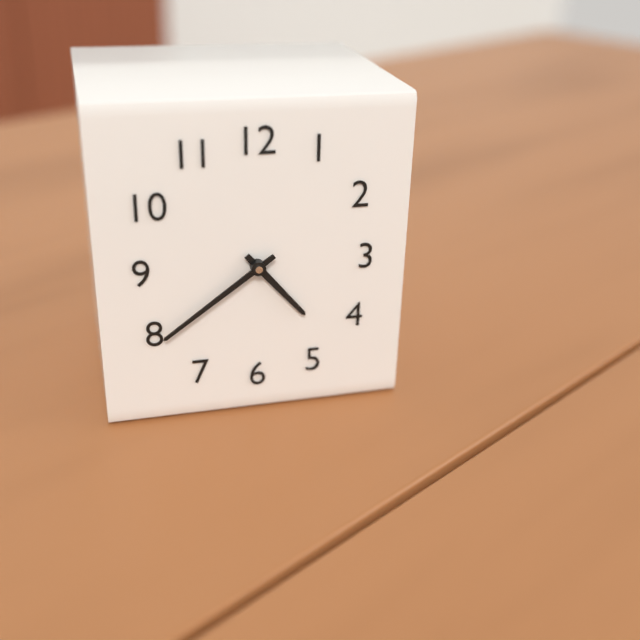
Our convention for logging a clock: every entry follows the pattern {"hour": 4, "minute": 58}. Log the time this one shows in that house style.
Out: {"hour": 4, "minute": 39}
